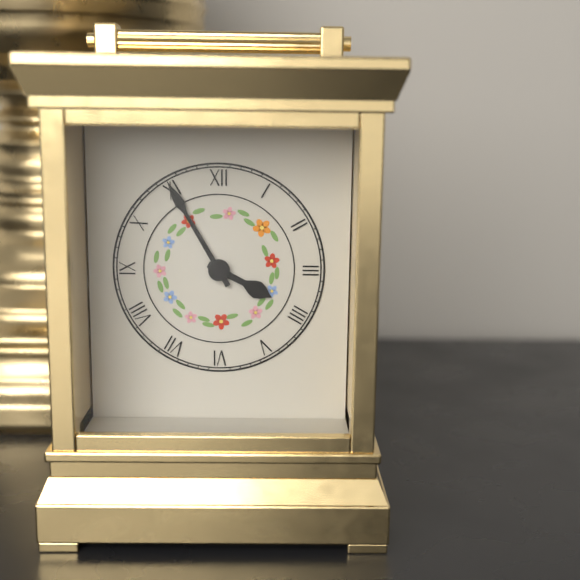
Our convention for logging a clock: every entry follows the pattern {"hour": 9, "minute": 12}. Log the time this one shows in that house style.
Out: {"hour": 3, "minute": 55}
